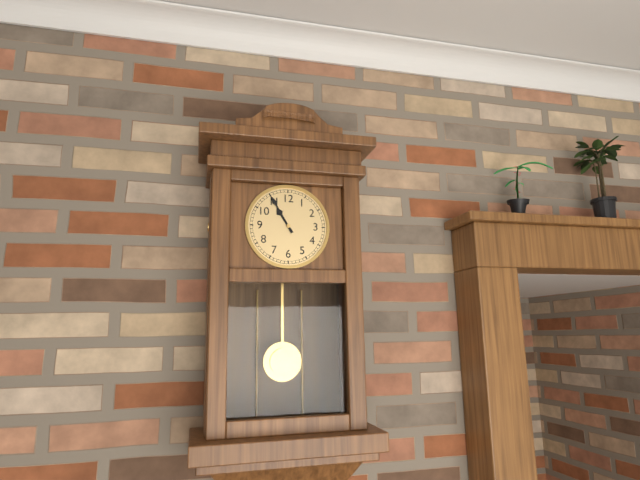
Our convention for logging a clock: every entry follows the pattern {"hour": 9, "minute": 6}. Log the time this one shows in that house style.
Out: {"hour": 10, "minute": 55}
